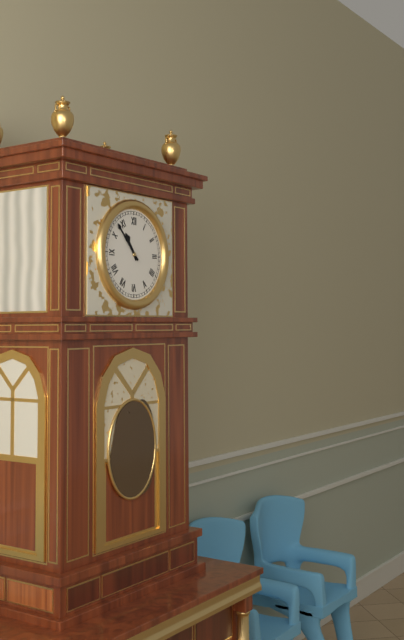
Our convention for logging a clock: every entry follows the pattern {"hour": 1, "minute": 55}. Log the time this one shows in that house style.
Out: {"hour": 10, "minute": 53}
